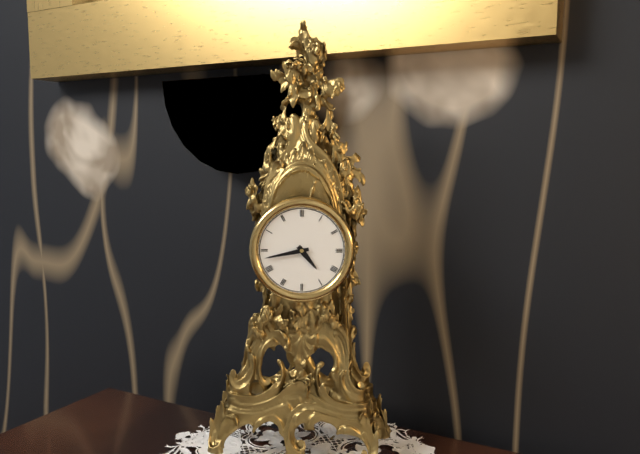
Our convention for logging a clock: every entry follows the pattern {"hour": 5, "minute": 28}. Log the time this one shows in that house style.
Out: {"hour": 4, "minute": 43}
